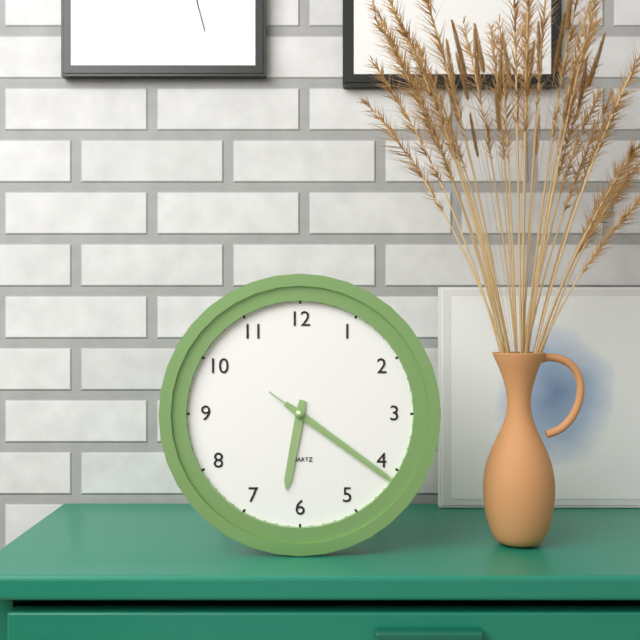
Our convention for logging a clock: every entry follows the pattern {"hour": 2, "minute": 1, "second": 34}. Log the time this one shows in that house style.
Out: {"hour": 6, "minute": 21, "second": 21}
